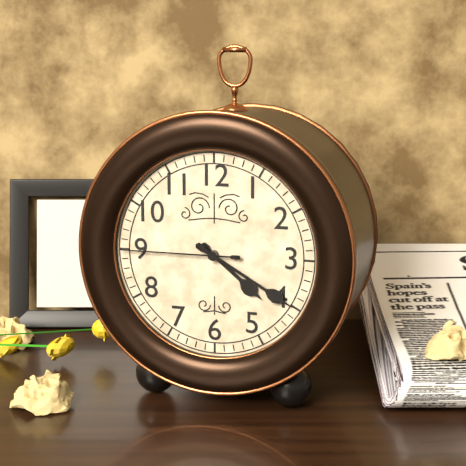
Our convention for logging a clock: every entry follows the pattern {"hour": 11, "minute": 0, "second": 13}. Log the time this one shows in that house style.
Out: {"hour": 4, "minute": 20, "second": 45}
